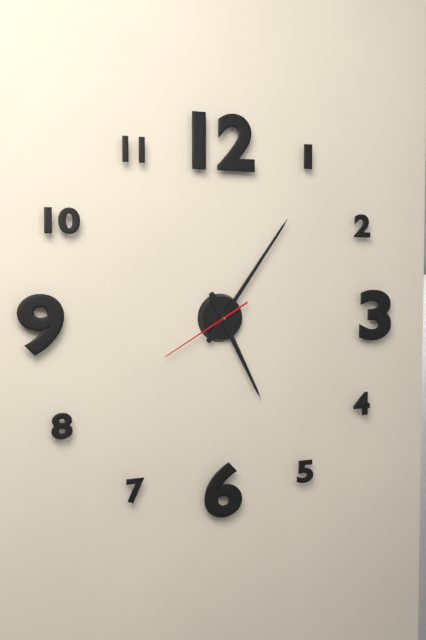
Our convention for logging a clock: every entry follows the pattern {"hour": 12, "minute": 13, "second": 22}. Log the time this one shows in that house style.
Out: {"hour": 5, "minute": 6, "second": 40}
